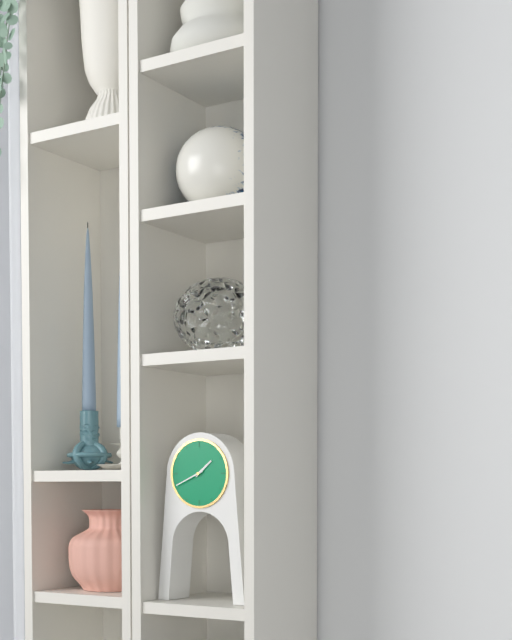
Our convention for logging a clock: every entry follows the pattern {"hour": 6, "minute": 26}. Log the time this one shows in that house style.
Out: {"hour": 1, "minute": 41}
